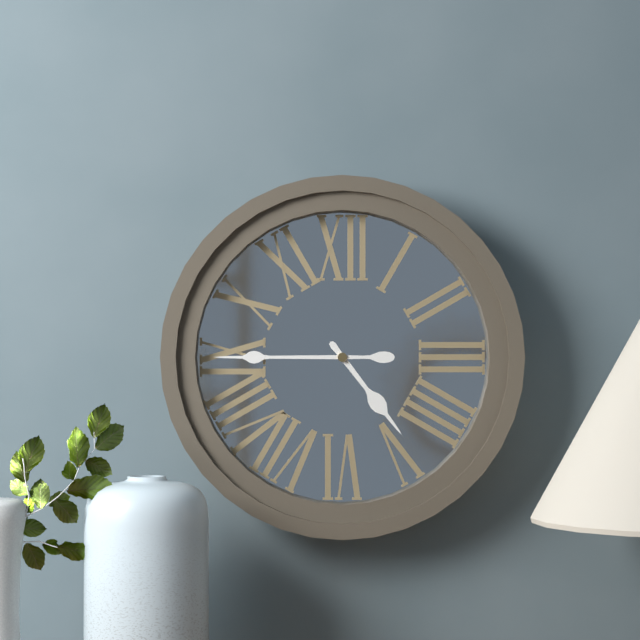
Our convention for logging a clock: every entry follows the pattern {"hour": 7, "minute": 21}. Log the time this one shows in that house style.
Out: {"hour": 4, "minute": 45}
